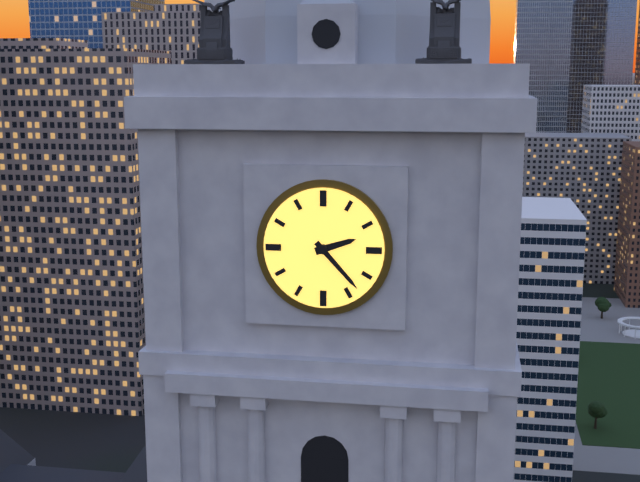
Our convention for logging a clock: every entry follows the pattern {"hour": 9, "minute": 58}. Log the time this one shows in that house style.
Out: {"hour": 2, "minute": 23}
